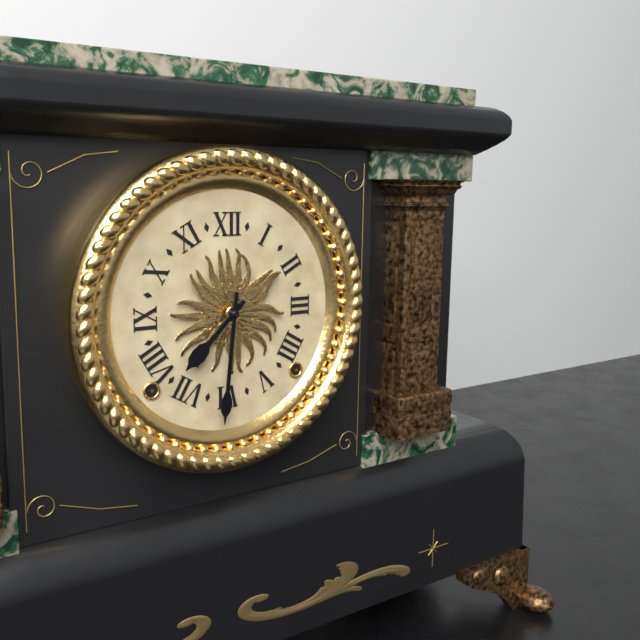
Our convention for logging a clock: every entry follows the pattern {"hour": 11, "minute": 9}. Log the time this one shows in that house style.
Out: {"hour": 7, "minute": 31}
